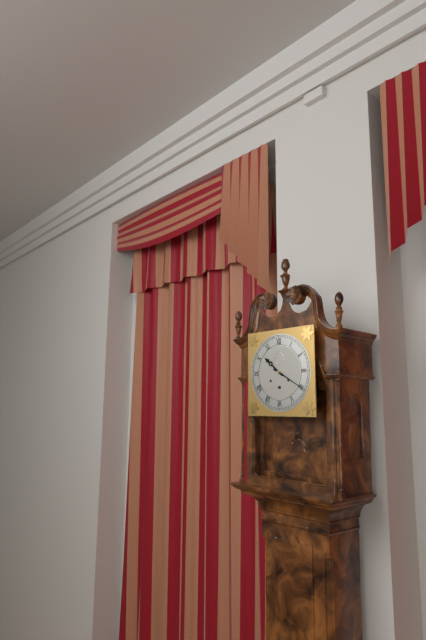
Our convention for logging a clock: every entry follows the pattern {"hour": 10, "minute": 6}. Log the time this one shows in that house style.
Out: {"hour": 10, "minute": 20}
